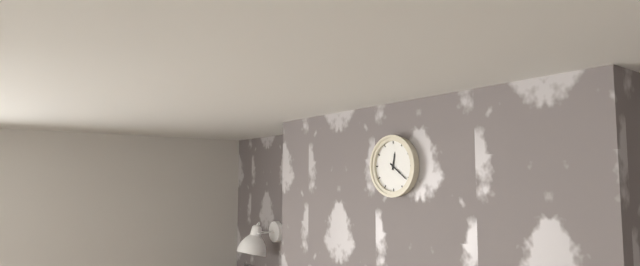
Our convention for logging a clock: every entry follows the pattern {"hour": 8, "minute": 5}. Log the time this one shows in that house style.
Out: {"hour": 12, "minute": 21}
